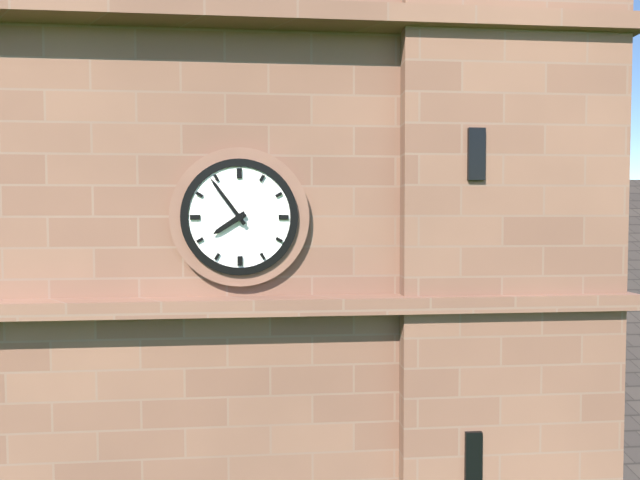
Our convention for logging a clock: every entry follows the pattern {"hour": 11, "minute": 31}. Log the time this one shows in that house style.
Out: {"hour": 7, "minute": 54}
